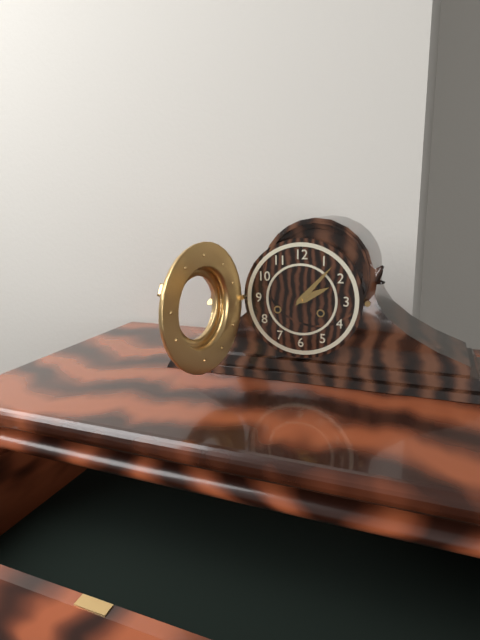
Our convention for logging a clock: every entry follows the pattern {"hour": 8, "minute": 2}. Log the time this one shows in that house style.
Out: {"hour": 2, "minute": 7}
